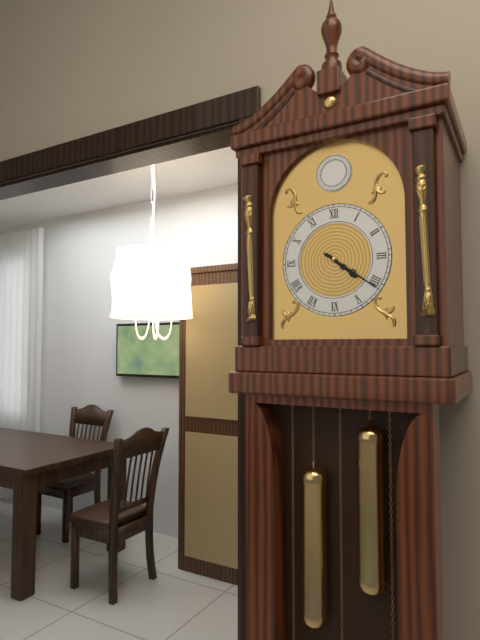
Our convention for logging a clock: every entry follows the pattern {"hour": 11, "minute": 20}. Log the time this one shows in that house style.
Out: {"hour": 4, "minute": 21}
